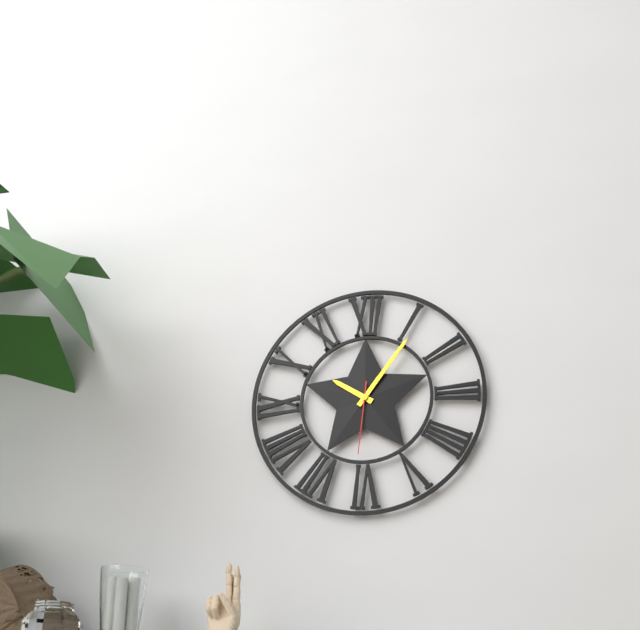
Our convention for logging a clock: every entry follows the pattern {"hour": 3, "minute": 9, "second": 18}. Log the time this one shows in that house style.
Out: {"hour": 10, "minute": 6, "second": 31}
